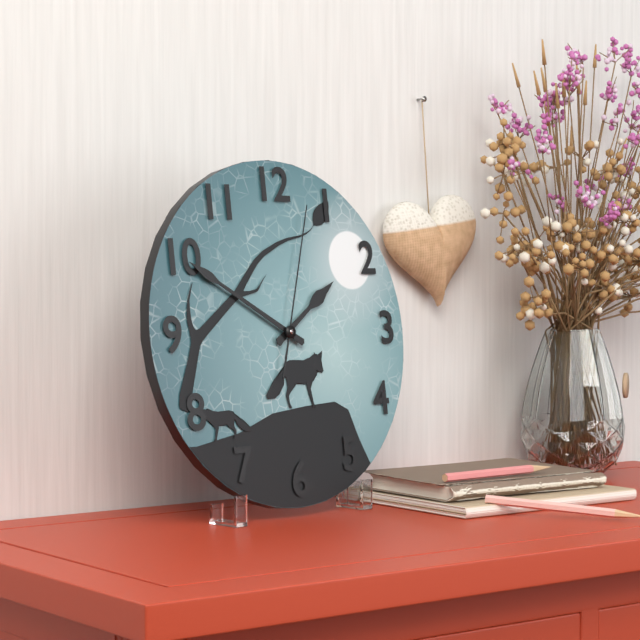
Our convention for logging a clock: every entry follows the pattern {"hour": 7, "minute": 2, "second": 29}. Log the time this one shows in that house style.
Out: {"hour": 1, "minute": 50, "second": 3}
